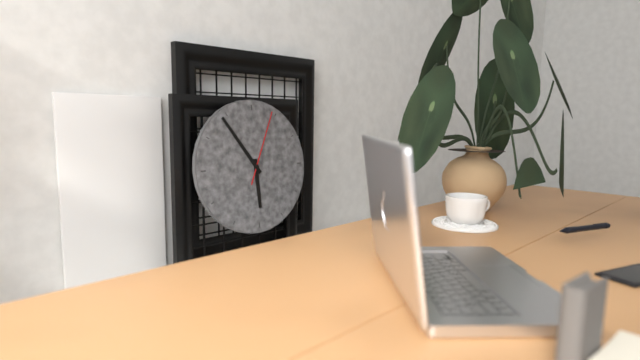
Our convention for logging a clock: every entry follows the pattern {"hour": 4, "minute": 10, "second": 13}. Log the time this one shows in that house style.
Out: {"hour": 5, "minute": 54, "second": 4}
